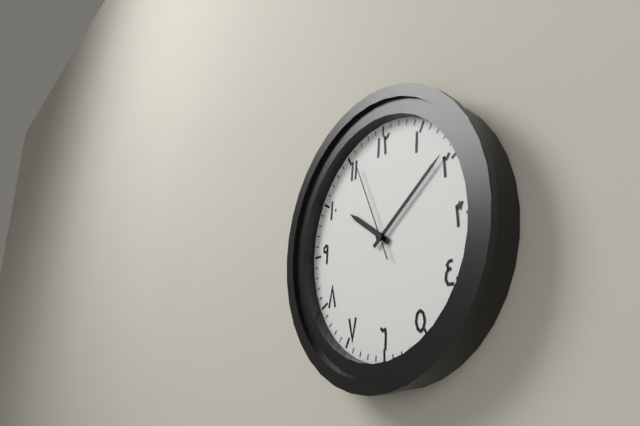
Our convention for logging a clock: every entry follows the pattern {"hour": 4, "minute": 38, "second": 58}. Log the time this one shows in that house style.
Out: {"hour": 10, "minute": 9, "second": 56}
